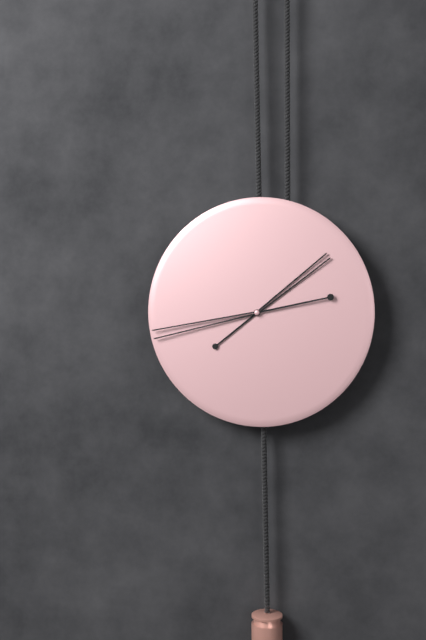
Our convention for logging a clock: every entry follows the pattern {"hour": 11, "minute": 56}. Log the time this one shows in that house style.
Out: {"hour": 1, "minute": 43}
